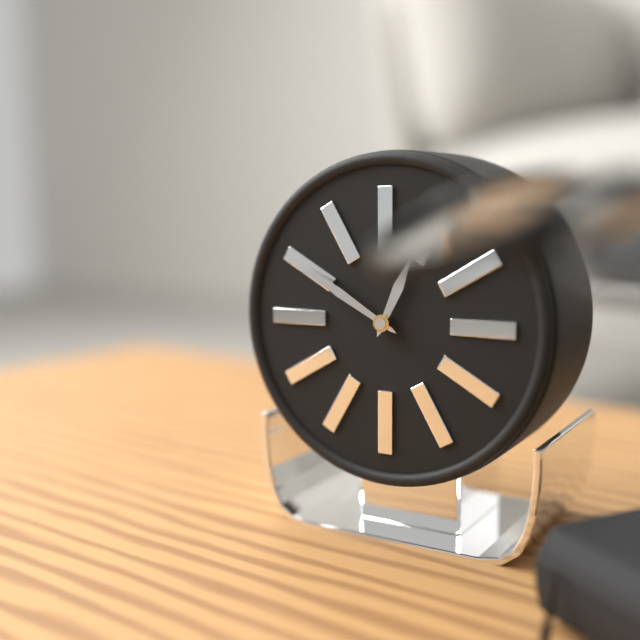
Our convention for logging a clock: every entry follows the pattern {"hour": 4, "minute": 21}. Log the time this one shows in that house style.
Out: {"hour": 12, "minute": 50}
